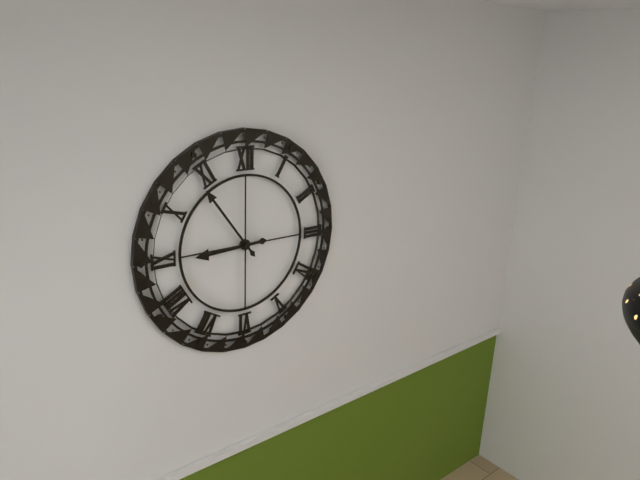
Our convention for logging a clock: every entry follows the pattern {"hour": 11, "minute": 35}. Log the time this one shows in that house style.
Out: {"hour": 8, "minute": 54}
